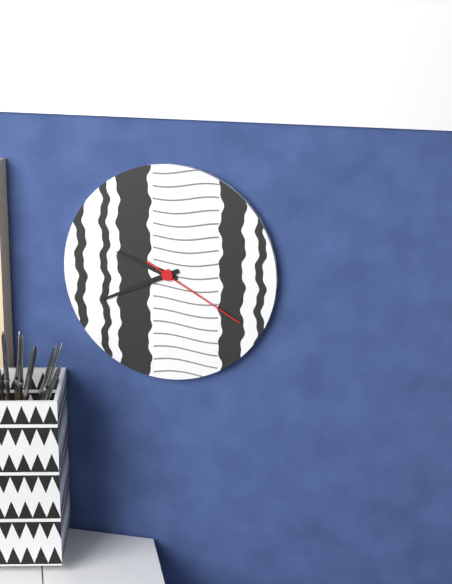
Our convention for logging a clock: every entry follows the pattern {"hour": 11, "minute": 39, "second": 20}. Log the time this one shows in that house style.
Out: {"hour": 9, "minute": 41, "second": 20}
